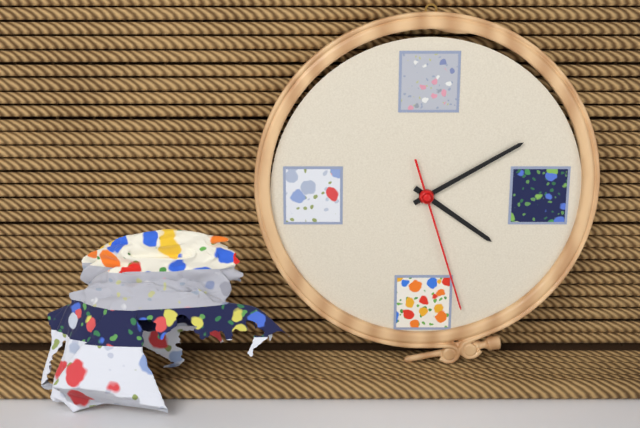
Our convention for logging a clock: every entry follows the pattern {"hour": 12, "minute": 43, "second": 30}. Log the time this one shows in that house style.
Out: {"hour": 4, "minute": 10, "second": 27}
